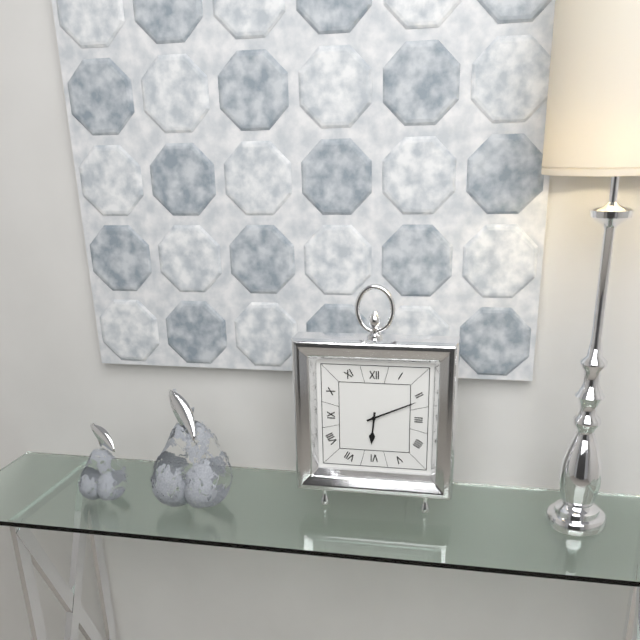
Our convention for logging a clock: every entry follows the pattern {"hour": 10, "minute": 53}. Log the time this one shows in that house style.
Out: {"hour": 6, "minute": 11}
